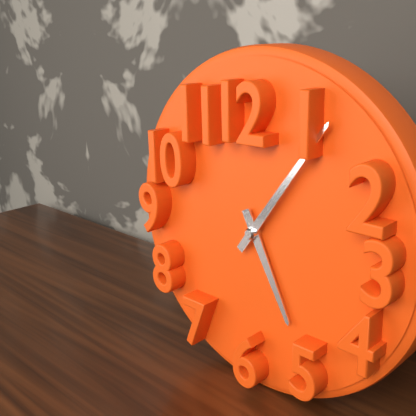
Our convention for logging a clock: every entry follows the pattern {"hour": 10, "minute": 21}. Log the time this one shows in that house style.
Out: {"hour": 5, "minute": 6}
